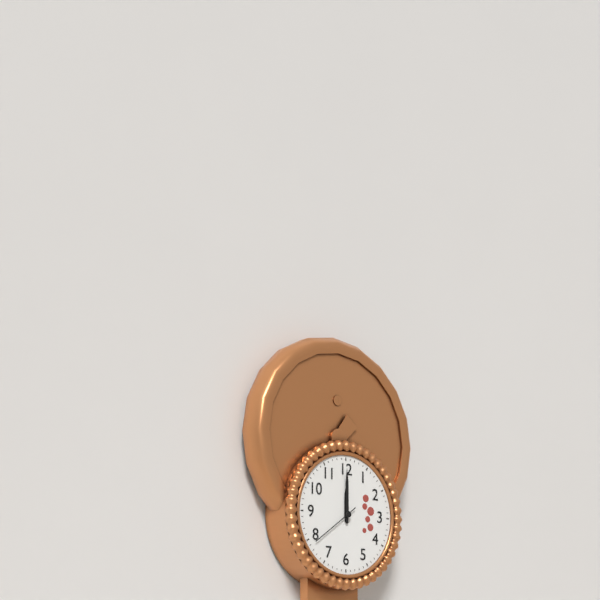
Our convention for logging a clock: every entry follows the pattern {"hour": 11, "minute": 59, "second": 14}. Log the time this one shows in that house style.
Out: {"hour": 12, "minute": 0, "second": 39}
